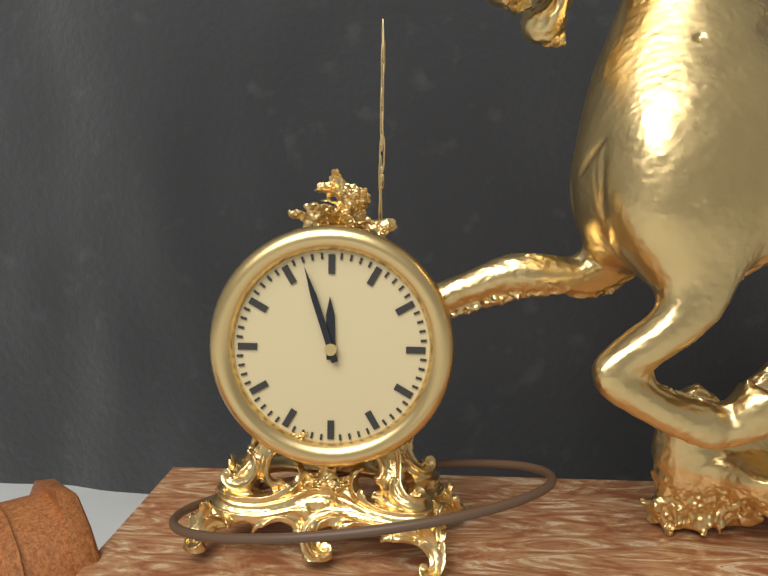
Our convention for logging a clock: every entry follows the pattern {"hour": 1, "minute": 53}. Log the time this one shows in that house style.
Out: {"hour": 11, "minute": 57}
